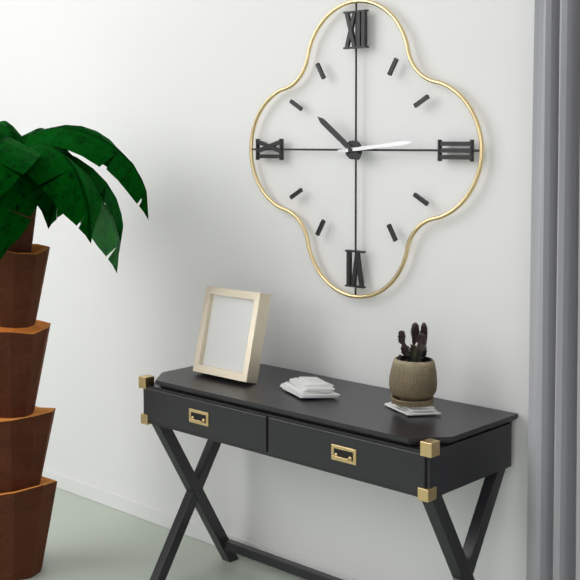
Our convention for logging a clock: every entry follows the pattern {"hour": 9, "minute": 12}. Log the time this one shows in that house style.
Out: {"hour": 10, "minute": 14}
